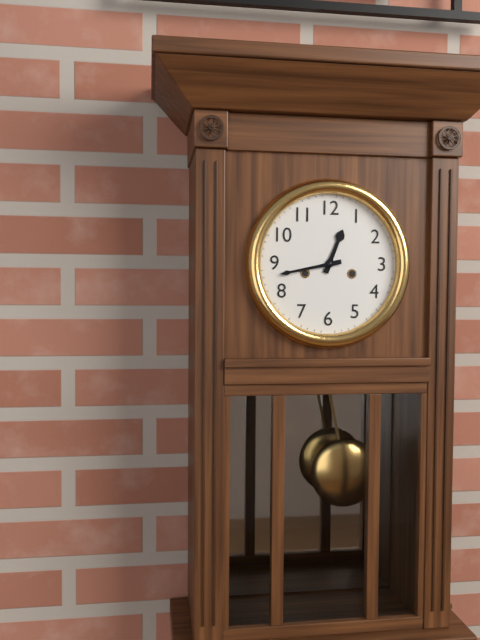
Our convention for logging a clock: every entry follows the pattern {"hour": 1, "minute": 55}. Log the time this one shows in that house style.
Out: {"hour": 12, "minute": 43}
